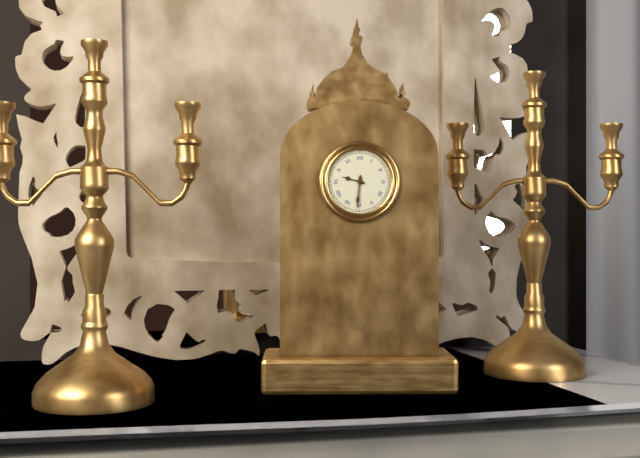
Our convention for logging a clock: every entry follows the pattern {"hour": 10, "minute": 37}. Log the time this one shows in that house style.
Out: {"hour": 9, "minute": 31}
